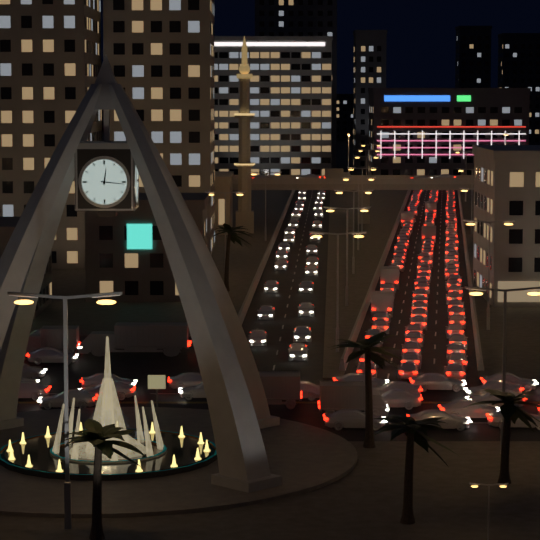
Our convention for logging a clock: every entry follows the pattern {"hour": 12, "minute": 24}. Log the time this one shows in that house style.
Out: {"hour": 12, "minute": 16}
